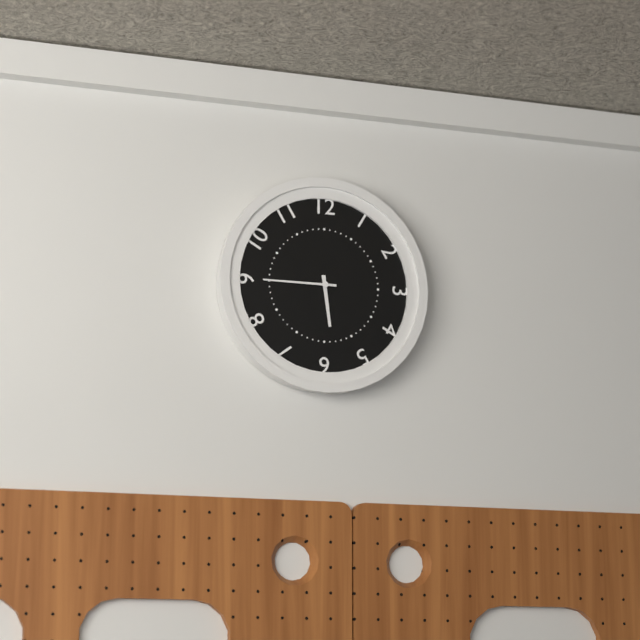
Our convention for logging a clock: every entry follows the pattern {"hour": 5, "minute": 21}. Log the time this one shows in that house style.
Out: {"hour": 5, "minute": 45}
